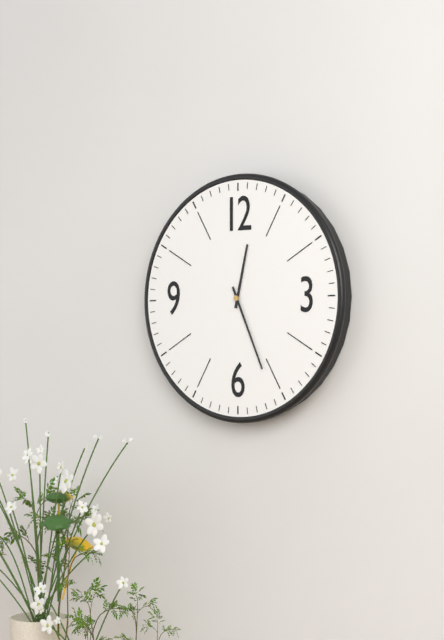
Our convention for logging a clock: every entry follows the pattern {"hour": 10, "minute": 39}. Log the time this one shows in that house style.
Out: {"hour": 12, "minute": 26}
